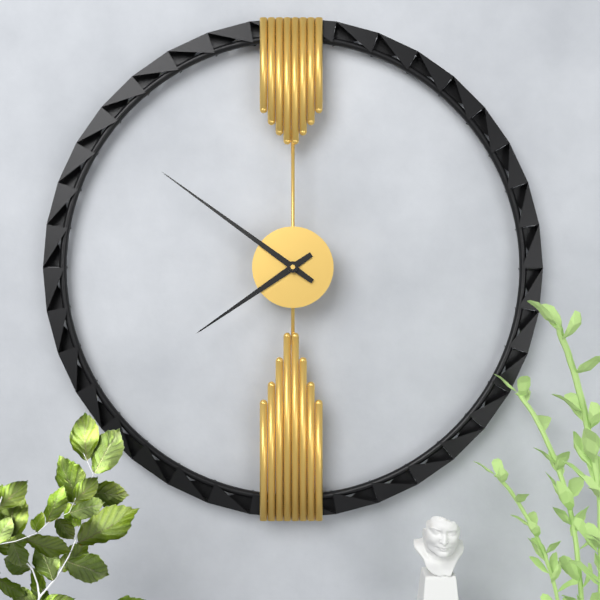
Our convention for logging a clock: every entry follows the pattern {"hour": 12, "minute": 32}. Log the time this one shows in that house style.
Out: {"hour": 7, "minute": 51}
